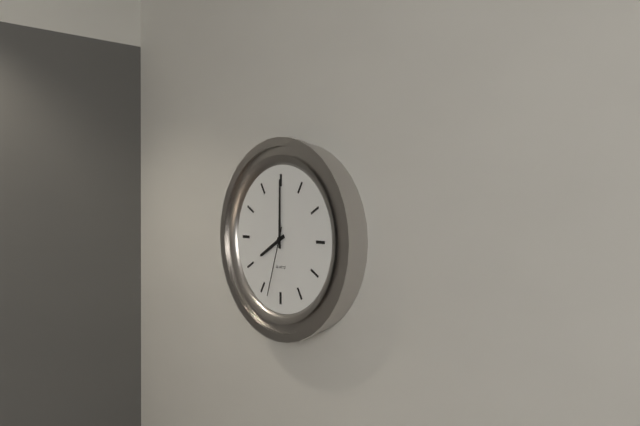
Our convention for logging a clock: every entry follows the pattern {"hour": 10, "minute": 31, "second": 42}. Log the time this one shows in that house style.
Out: {"hour": 8, "minute": 0, "second": 33}
